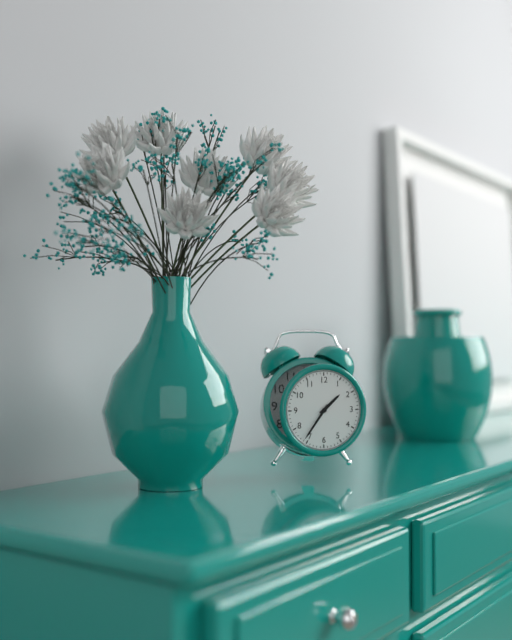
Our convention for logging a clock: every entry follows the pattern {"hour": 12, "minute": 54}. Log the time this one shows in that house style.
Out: {"hour": 1, "minute": 36}
